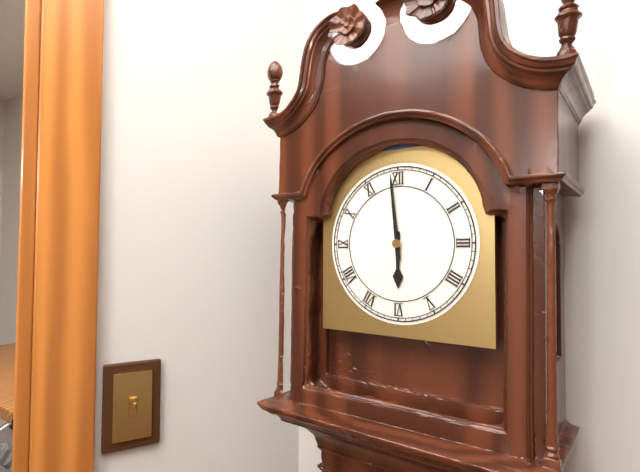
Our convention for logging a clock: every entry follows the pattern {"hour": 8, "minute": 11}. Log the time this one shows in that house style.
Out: {"hour": 5, "minute": 59}
